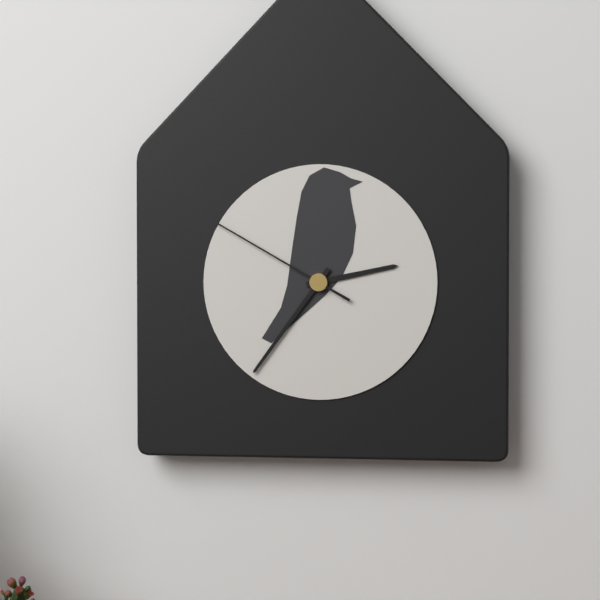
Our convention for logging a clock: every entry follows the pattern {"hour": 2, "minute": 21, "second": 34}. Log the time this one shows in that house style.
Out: {"hour": 2, "minute": 36, "second": 50}
